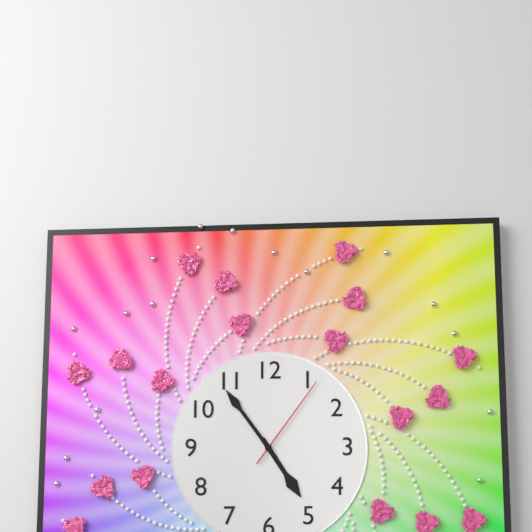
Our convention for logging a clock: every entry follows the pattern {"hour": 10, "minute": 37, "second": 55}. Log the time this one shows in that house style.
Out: {"hour": 4, "minute": 54, "second": 6}
